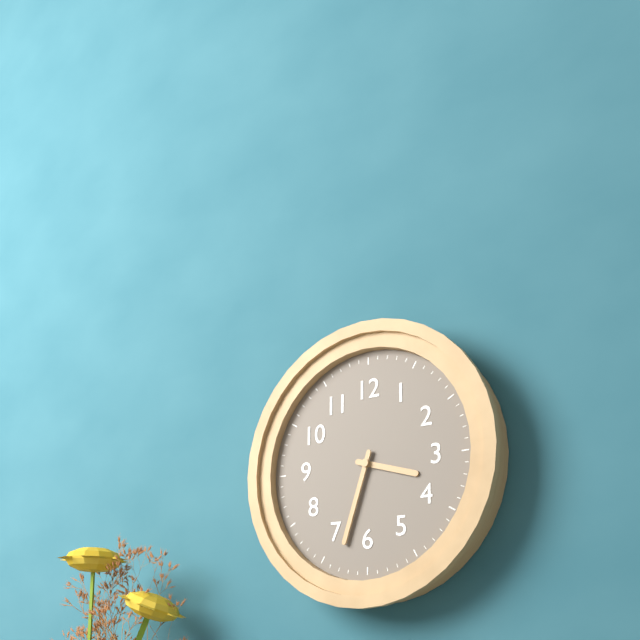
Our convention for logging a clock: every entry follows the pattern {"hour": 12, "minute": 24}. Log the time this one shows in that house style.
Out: {"hour": 3, "minute": 33}
